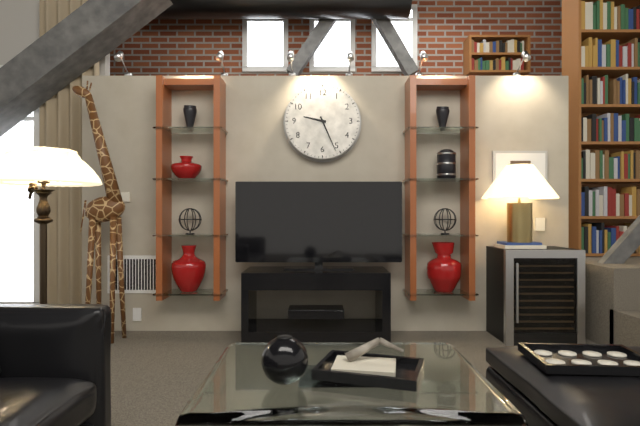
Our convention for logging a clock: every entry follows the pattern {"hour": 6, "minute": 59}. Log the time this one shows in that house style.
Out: {"hour": 9, "minute": 26}
